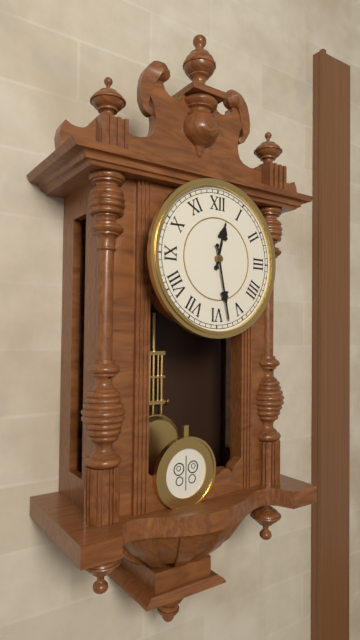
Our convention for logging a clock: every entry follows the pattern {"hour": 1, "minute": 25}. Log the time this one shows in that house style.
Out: {"hour": 12, "minute": 28}
